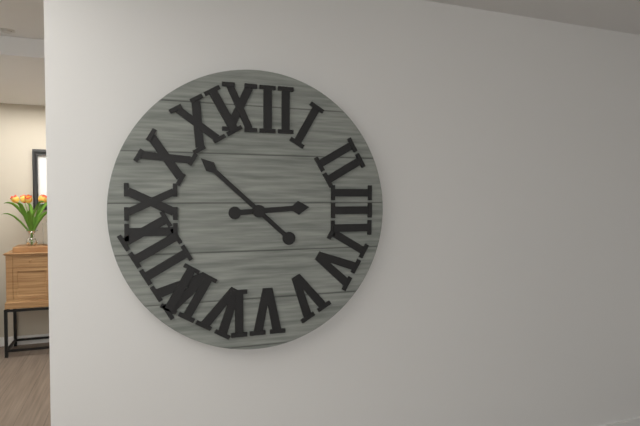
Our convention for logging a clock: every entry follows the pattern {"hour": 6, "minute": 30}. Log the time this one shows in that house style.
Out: {"hour": 2, "minute": 52}
